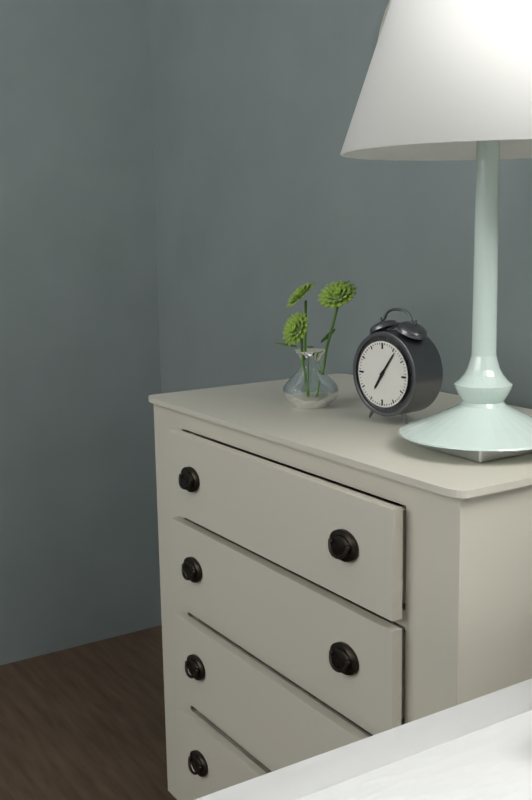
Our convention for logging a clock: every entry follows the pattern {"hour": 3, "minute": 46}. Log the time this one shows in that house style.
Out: {"hour": 7, "minute": 6}
